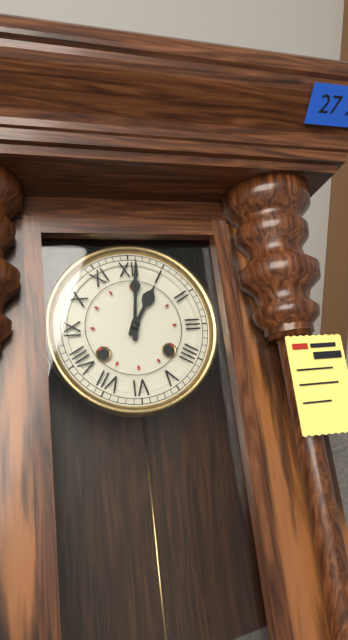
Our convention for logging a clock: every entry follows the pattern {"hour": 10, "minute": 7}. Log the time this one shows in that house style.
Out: {"hour": 1, "minute": 1}
